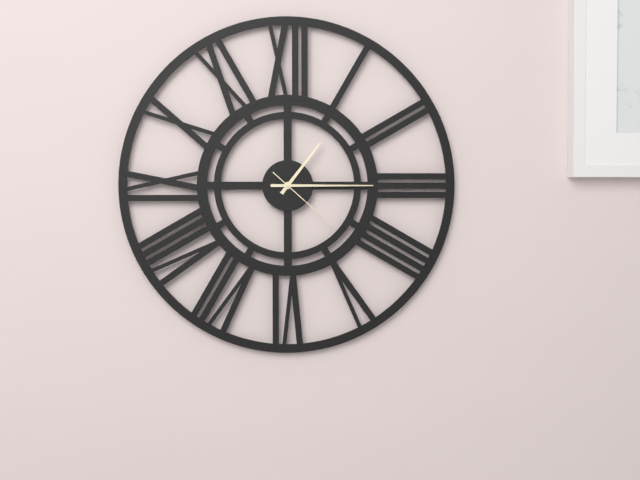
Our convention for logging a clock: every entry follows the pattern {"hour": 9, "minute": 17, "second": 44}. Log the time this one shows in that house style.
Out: {"hour": 1, "minute": 15, "second": 22}
